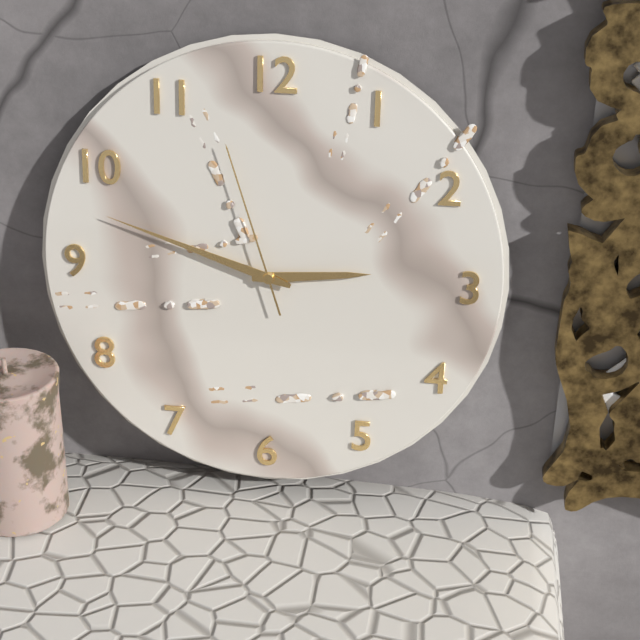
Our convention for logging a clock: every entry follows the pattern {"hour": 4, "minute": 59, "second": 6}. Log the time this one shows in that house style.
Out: {"hour": 2, "minute": 48, "second": 57}
